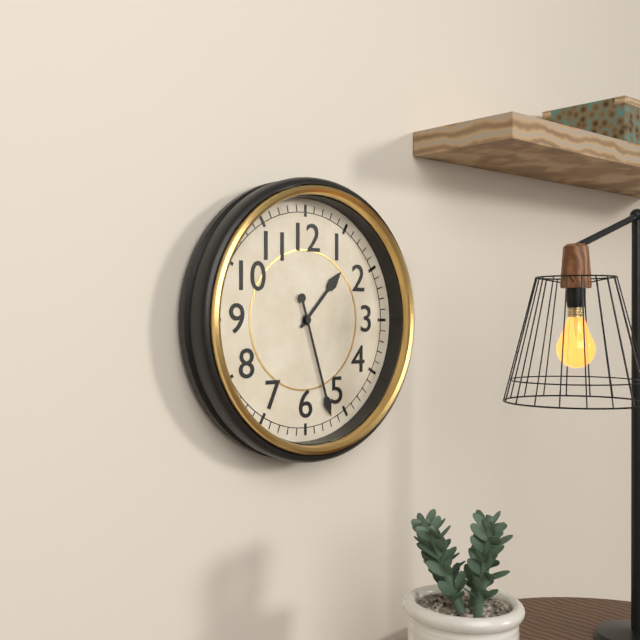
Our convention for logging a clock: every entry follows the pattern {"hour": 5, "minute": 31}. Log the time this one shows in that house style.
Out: {"hour": 1, "minute": 27}
